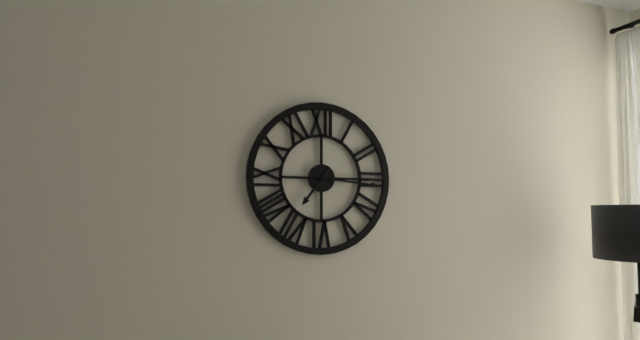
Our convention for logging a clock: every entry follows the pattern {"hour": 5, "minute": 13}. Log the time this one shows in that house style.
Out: {"hour": 7, "minute": 16}
